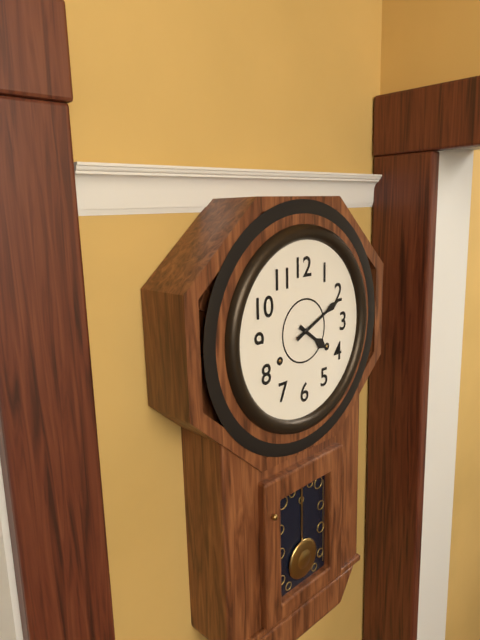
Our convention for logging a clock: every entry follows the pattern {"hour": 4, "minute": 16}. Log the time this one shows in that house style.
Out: {"hour": 4, "minute": 11}
